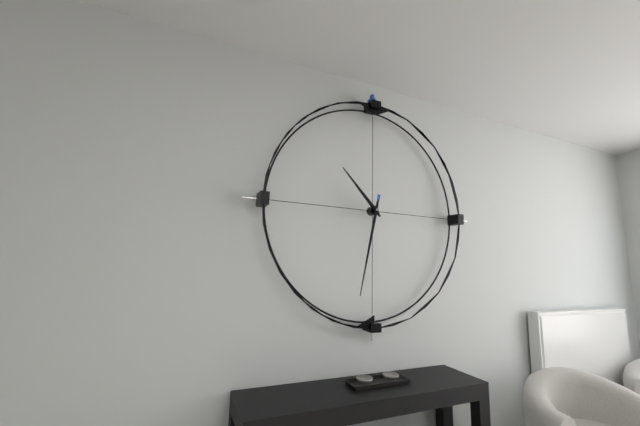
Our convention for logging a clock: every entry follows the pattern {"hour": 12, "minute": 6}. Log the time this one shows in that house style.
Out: {"hour": 10, "minute": 32}
